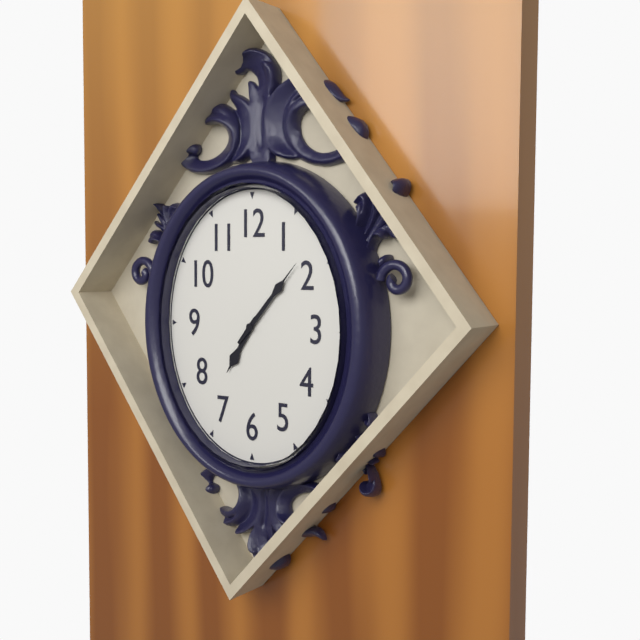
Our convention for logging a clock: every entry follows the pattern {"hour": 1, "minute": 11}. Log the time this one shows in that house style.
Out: {"hour": 7, "minute": 7}
